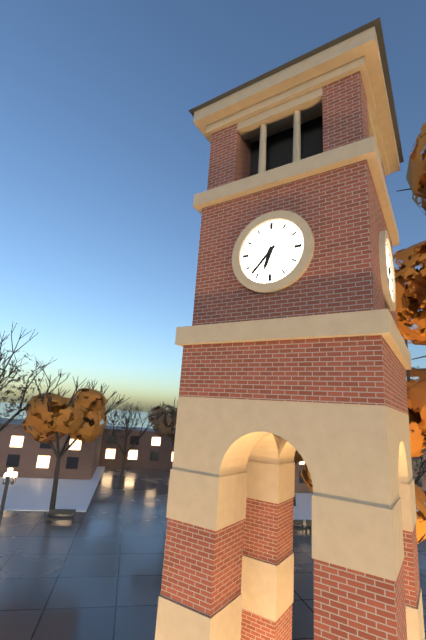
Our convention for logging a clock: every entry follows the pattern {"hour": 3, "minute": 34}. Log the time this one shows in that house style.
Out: {"hour": 6, "minute": 37}
